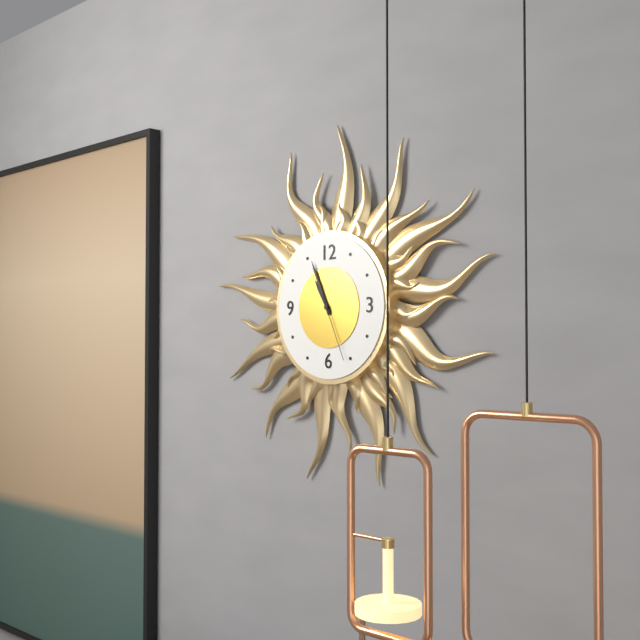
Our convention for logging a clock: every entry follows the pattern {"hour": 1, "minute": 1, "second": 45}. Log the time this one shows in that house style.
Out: {"hour": 10, "minute": 56, "second": 26}
